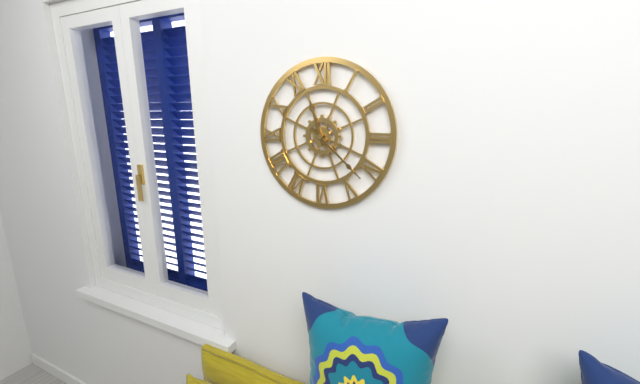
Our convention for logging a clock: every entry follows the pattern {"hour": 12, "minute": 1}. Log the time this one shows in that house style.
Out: {"hour": 11, "minute": 22}
